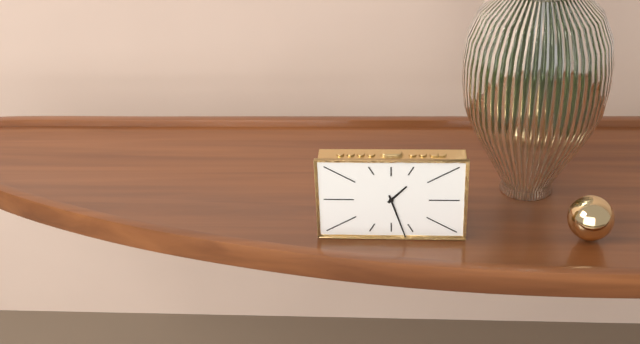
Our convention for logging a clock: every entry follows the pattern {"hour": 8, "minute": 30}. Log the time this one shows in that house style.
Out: {"hour": 1, "minute": 27}
